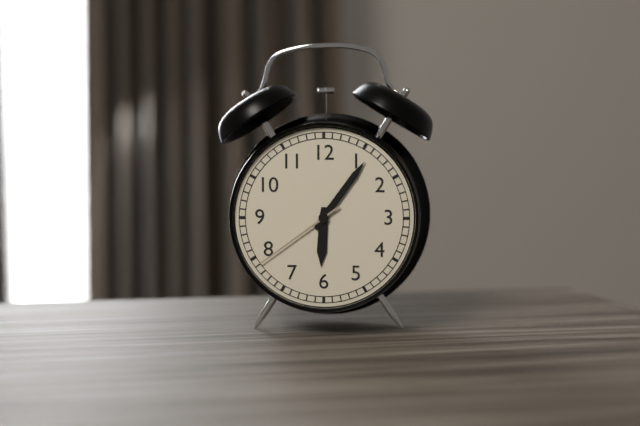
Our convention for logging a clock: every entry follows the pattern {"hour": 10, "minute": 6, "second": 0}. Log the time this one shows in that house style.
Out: {"hour": 6, "minute": 6, "second": 39}
